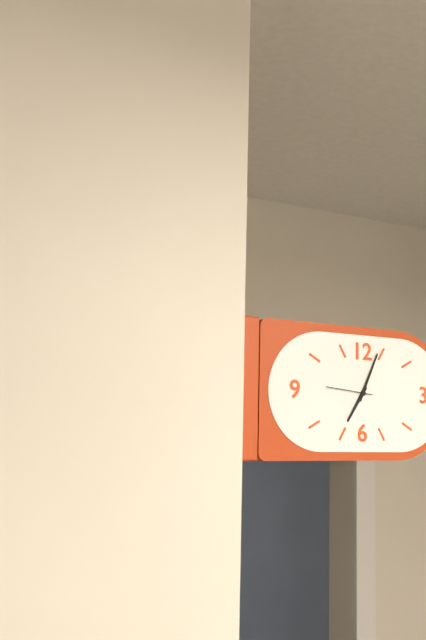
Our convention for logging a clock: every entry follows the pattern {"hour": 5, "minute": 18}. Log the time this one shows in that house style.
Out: {"hour": 7, "minute": 4}
